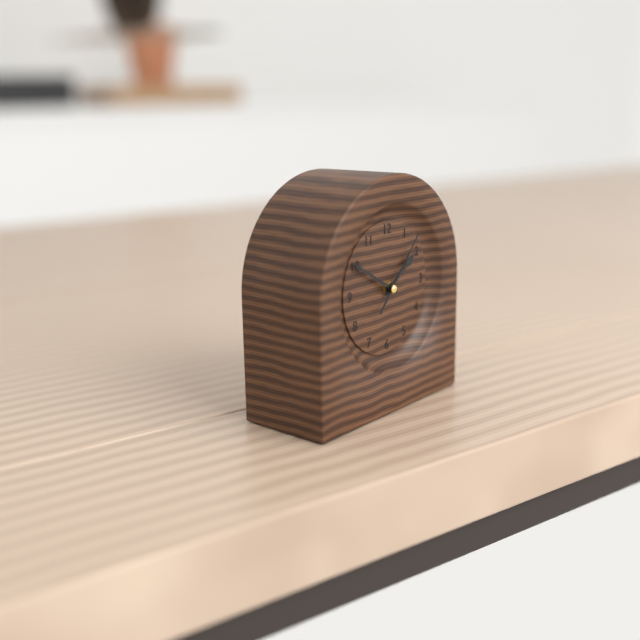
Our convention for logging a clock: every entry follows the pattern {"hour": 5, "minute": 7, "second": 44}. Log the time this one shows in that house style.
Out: {"hour": 1, "minute": 50, "second": 7}
